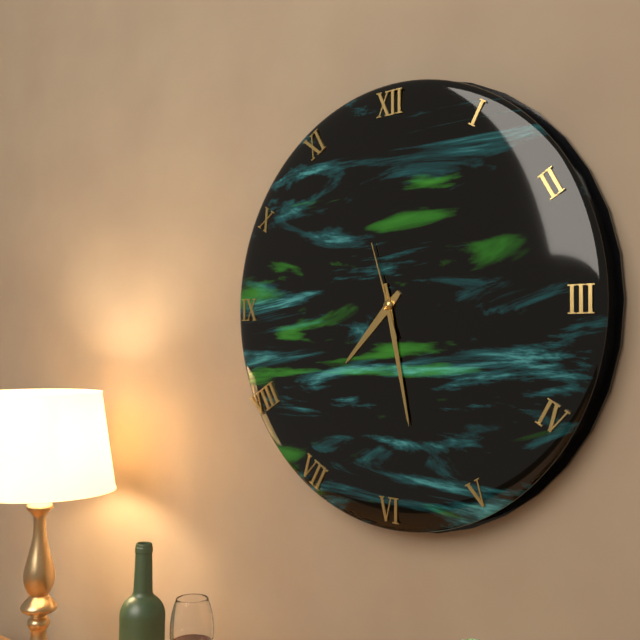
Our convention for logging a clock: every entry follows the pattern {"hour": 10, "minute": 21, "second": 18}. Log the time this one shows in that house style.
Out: {"hour": 7, "minute": 28, "second": 57}
